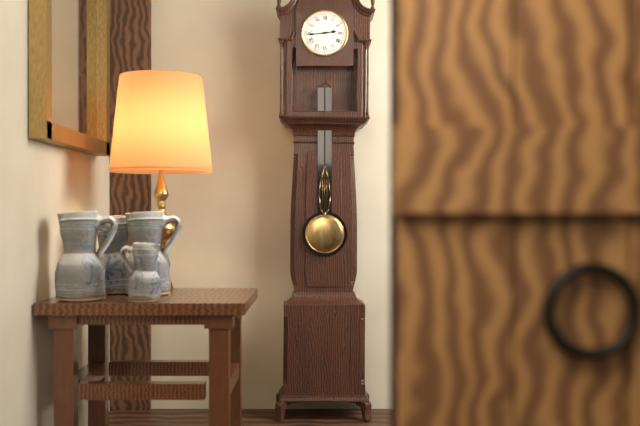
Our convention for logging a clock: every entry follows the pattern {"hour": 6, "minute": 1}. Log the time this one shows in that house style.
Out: {"hour": 2, "minute": 44}
